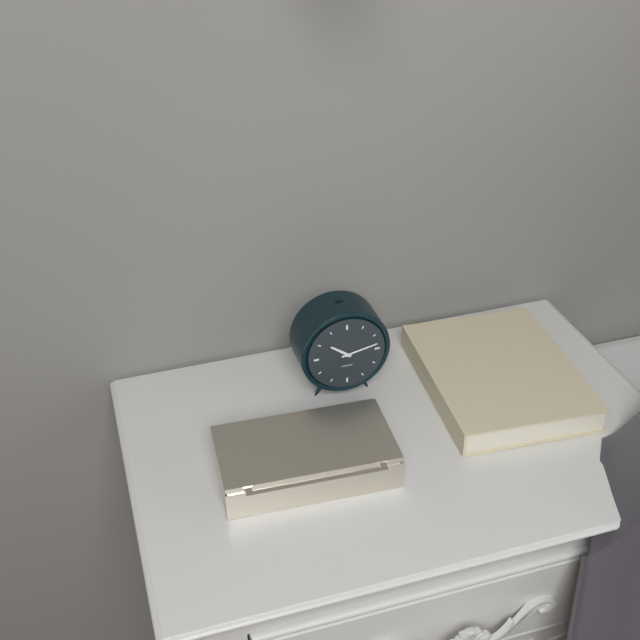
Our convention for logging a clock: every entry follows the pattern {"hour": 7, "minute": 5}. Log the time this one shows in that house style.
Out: {"hour": 10, "minute": 13}
